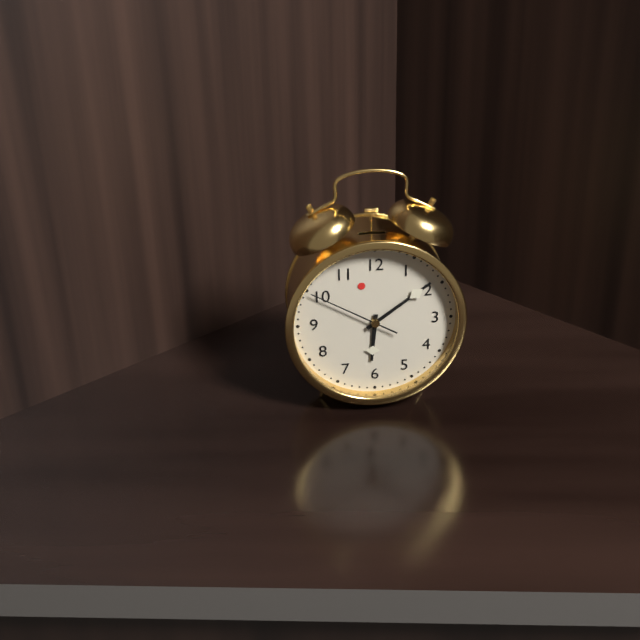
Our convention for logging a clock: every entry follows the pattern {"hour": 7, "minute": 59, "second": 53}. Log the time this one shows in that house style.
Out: {"hour": 6, "minute": 9, "second": 50}
